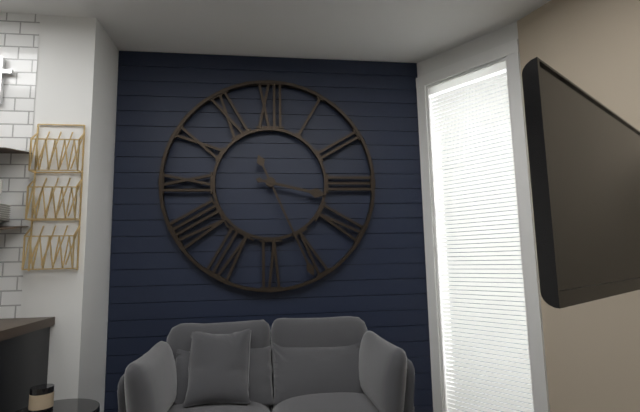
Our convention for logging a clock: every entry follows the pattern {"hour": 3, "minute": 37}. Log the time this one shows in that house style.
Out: {"hour": 3, "minute": 26}
